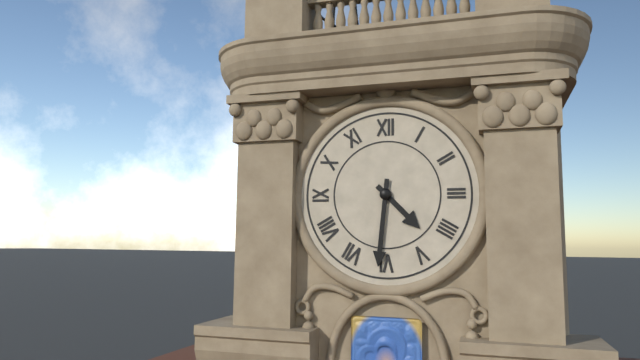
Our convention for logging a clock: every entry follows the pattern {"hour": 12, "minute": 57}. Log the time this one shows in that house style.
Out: {"hour": 4, "minute": 31}
